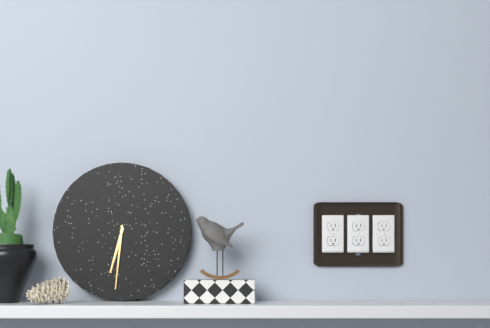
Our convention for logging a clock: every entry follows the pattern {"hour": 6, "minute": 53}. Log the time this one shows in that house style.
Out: {"hour": 6, "minute": 31}
